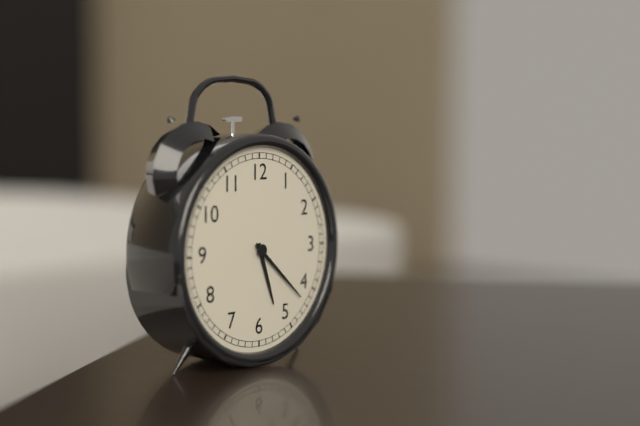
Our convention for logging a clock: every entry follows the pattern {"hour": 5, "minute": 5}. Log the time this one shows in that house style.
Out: {"hour": 5, "minute": 22}
